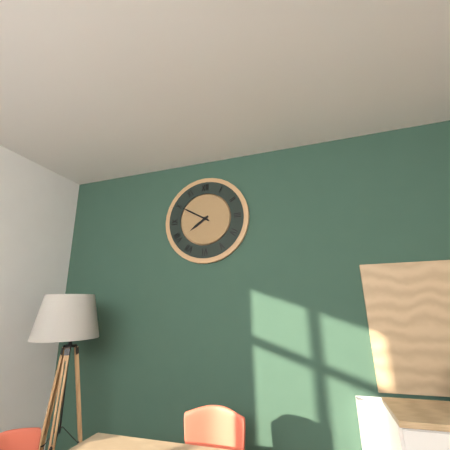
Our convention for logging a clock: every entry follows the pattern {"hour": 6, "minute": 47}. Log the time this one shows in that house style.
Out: {"hour": 7, "minute": 50}
